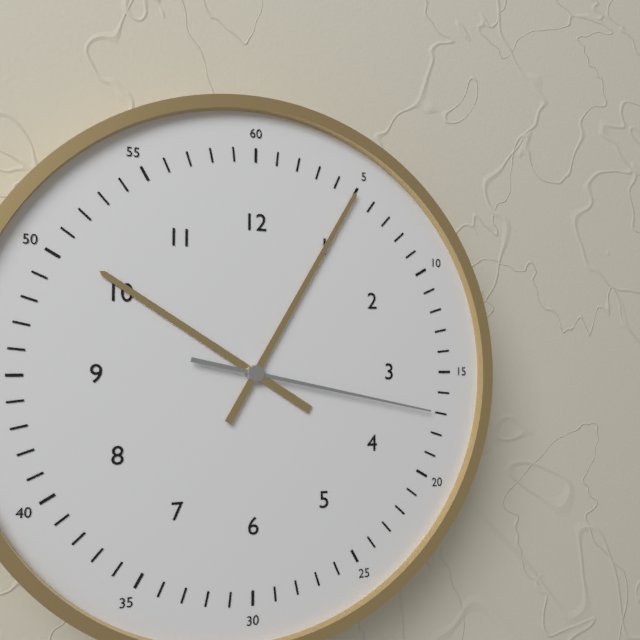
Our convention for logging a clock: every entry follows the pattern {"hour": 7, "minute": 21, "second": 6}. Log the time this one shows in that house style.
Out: {"hour": 10, "minute": 5, "second": 17}
